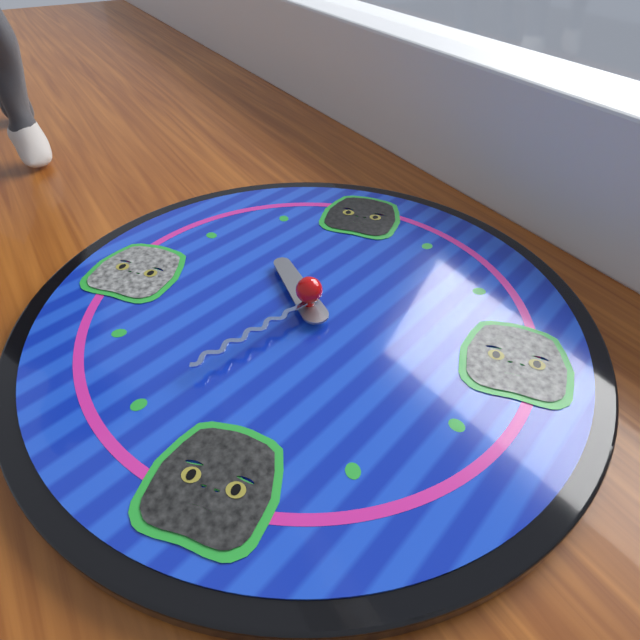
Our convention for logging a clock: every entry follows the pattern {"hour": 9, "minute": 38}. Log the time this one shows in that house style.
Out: {"hour": 10, "minute": 35}
